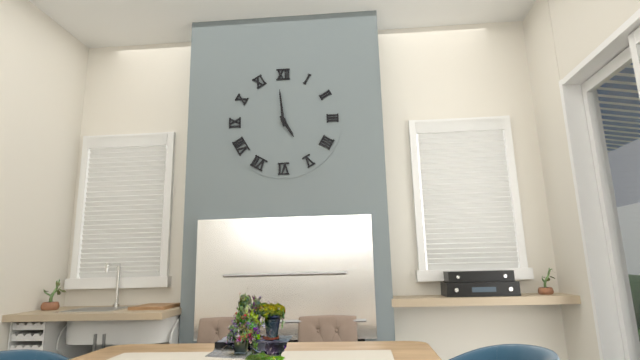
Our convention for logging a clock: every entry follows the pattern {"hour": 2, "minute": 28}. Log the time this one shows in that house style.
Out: {"hour": 4, "minute": 59}
